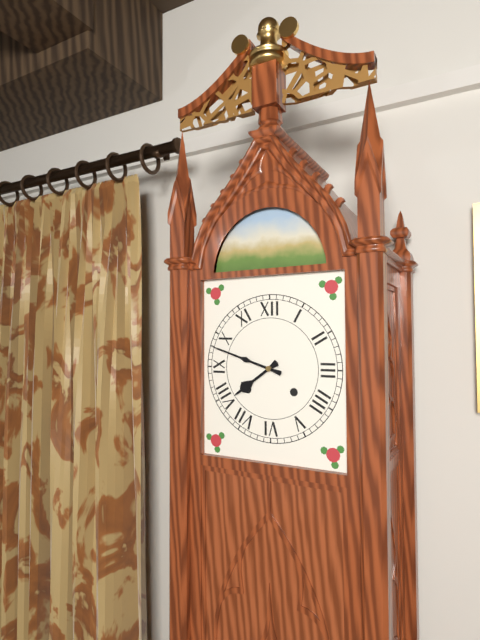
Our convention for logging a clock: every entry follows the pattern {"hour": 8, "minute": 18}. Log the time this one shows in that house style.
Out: {"hour": 7, "minute": 48}
